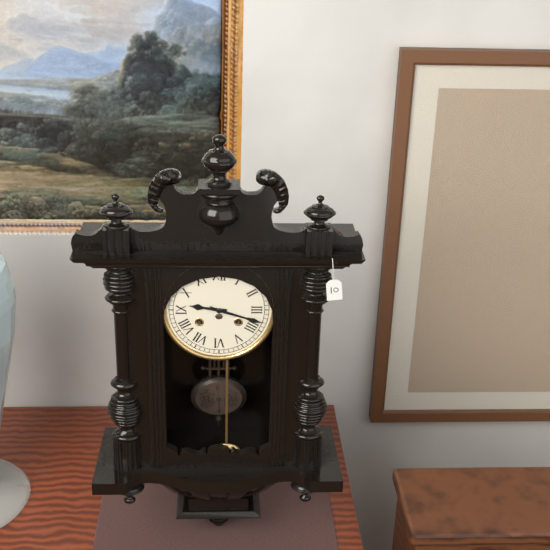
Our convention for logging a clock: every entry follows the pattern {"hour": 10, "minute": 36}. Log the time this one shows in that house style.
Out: {"hour": 9, "minute": 18}
